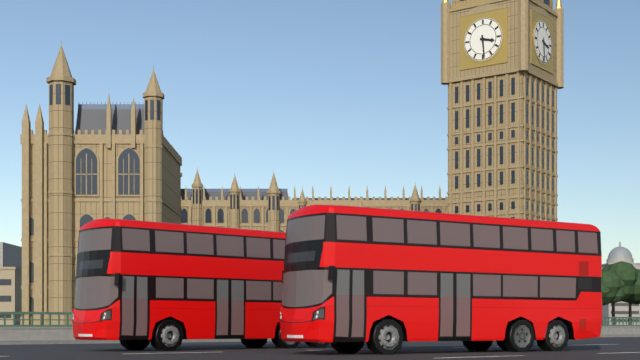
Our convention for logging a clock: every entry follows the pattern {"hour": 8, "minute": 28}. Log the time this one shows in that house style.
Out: {"hour": 3, "minute": 29}
